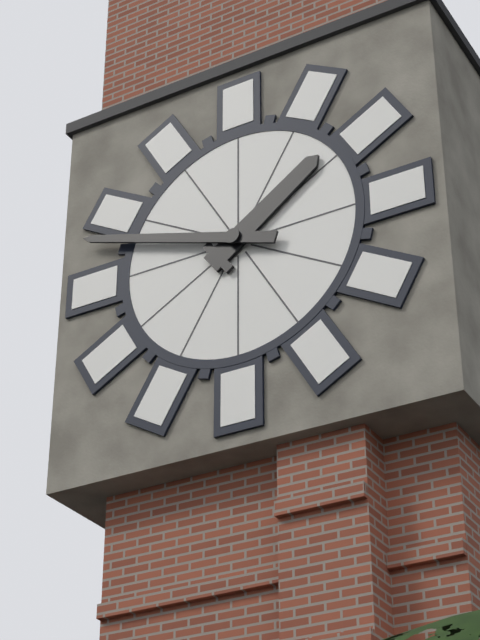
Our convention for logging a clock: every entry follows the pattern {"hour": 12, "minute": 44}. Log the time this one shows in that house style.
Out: {"hour": 1, "minute": 48}
